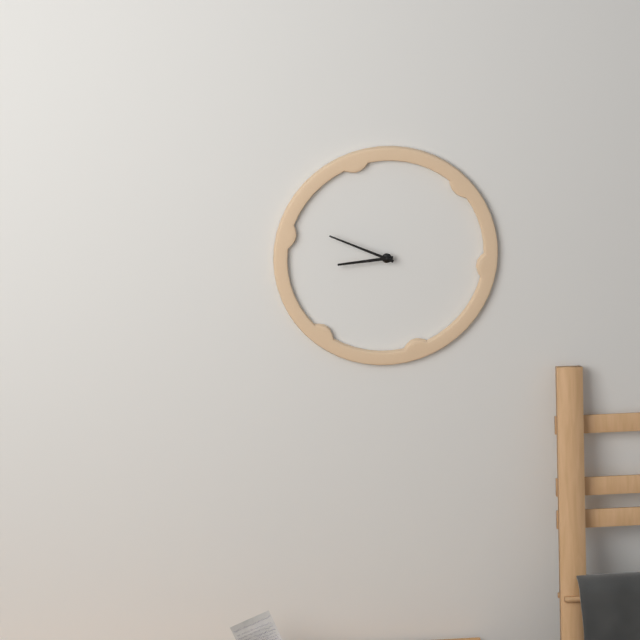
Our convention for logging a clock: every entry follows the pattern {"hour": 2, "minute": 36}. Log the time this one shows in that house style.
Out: {"hour": 8, "minute": 49}
